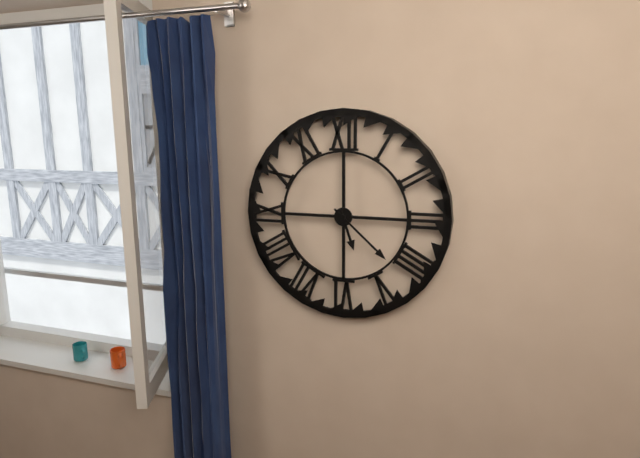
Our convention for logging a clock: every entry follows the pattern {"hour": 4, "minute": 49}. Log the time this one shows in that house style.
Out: {"hour": 5, "minute": 22}
